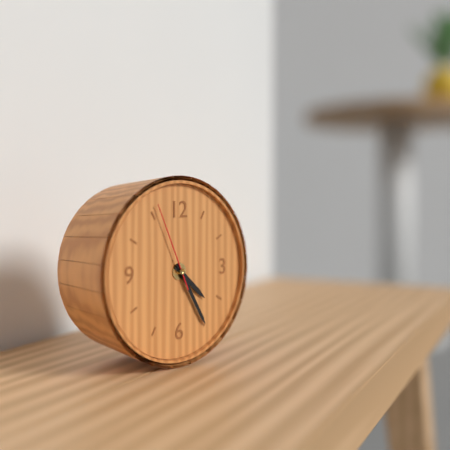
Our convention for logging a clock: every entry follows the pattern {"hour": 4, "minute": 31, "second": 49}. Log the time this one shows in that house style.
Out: {"hour": 4, "minute": 25, "second": 56}
